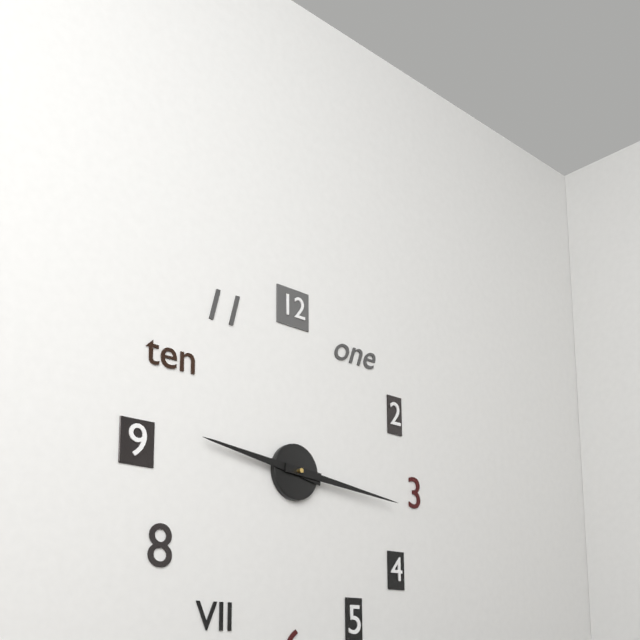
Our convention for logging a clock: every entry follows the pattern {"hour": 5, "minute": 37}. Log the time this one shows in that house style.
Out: {"hour": 9, "minute": 16}
